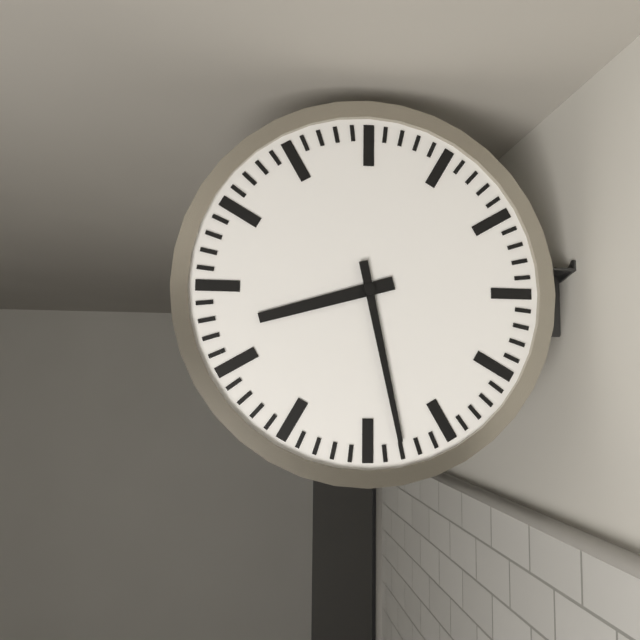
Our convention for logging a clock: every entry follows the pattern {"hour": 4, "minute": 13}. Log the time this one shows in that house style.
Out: {"hour": 8, "minute": 28}
